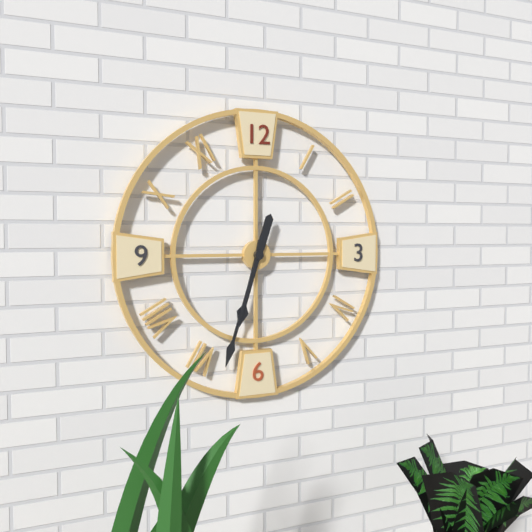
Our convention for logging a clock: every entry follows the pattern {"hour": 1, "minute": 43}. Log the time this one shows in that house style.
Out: {"hour": 6, "minute": 33}
